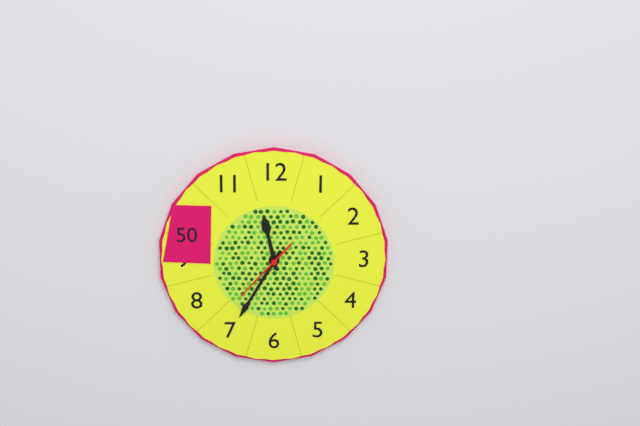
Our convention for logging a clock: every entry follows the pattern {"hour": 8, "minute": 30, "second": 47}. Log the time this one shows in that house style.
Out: {"hour": 11, "minute": 35, "second": 37}
